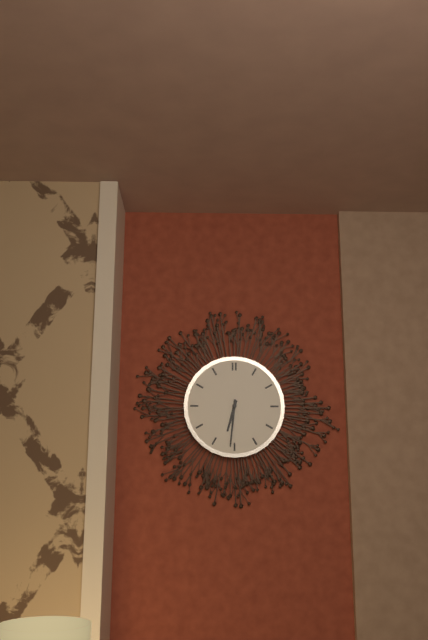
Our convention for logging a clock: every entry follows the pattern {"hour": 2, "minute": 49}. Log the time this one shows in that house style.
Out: {"hour": 6, "minute": 31}
